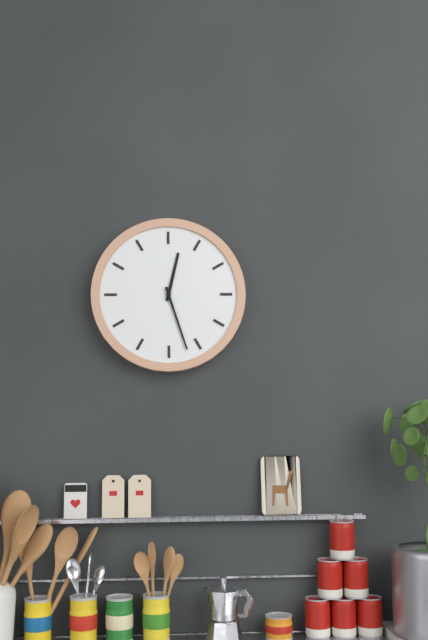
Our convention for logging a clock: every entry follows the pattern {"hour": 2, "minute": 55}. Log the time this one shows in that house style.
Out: {"hour": 12, "minute": 27}
